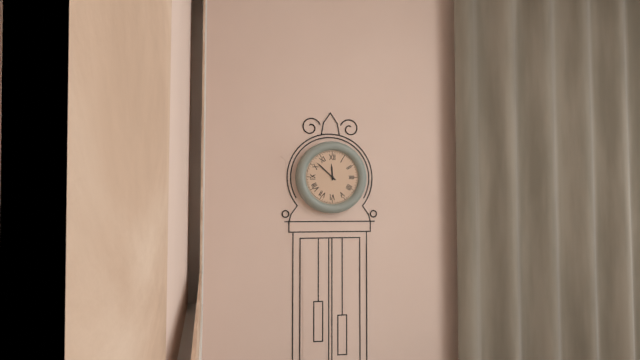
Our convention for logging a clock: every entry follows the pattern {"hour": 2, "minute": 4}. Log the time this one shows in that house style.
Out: {"hour": 11, "minute": 52}
